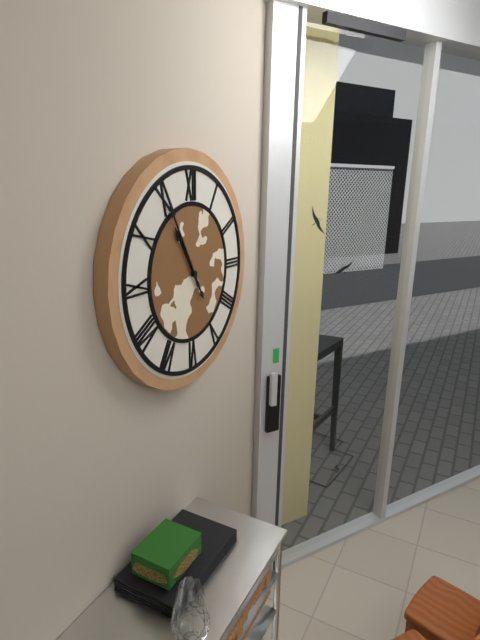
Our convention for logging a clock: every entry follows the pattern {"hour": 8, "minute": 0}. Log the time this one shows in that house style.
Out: {"hour": 10, "minute": 55}
